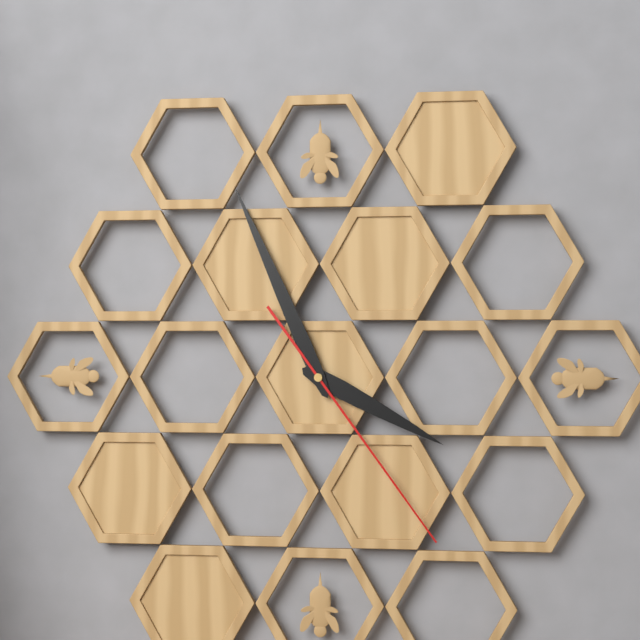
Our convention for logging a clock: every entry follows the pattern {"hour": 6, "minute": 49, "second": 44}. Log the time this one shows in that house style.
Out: {"hour": 3, "minute": 56, "second": 24}
